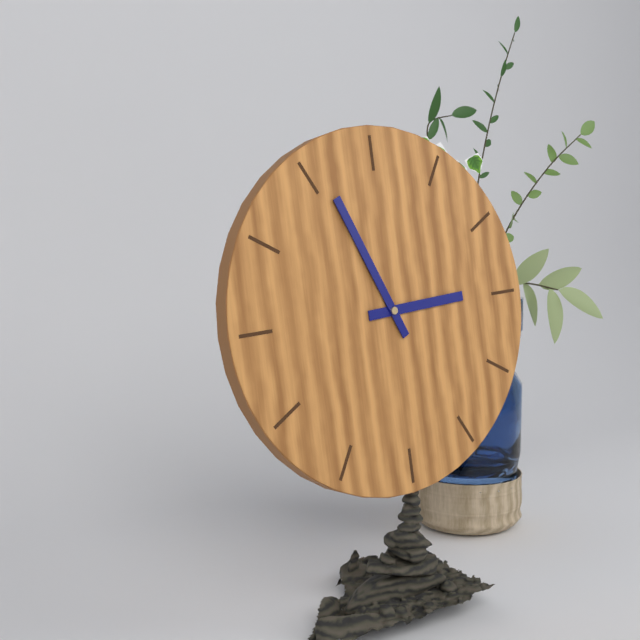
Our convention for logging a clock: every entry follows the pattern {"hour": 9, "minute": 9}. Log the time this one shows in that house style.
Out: {"hour": 2, "minute": 56}
